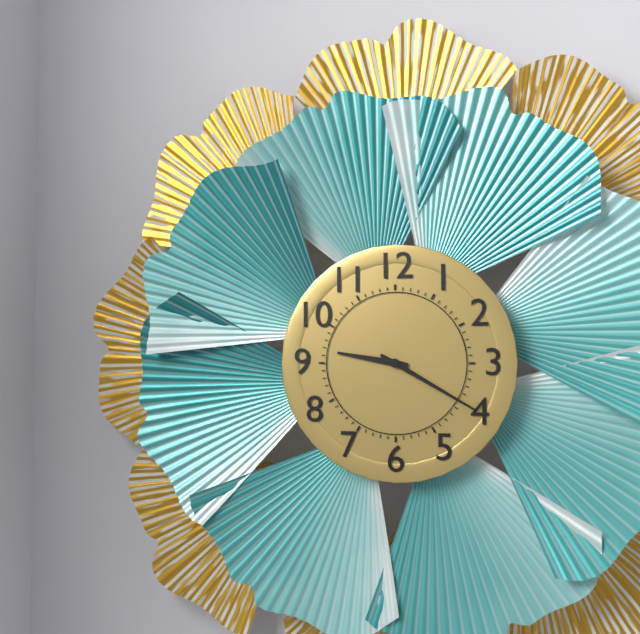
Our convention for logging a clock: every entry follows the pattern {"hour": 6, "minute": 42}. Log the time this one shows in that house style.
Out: {"hour": 9, "minute": 20}
